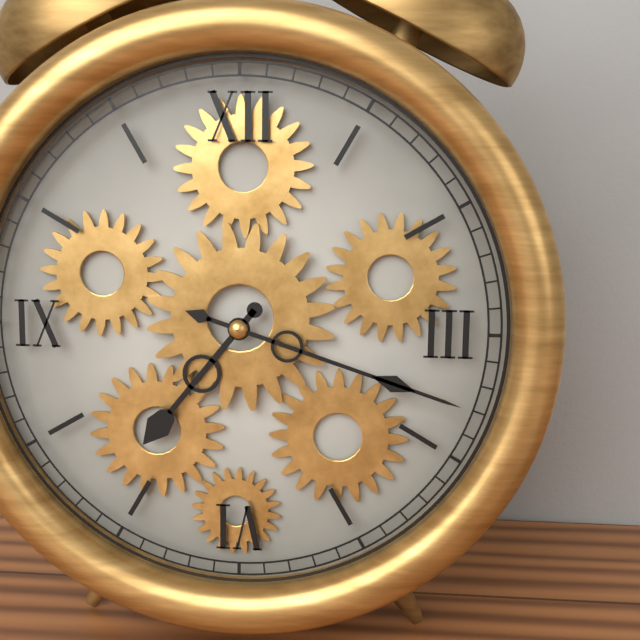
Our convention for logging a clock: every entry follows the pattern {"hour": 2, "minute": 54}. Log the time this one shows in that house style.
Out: {"hour": 7, "minute": 18}
